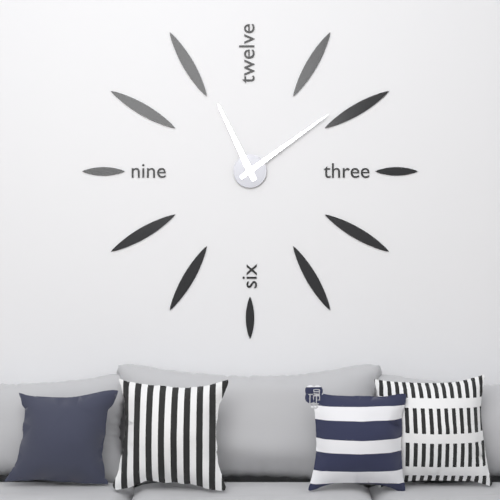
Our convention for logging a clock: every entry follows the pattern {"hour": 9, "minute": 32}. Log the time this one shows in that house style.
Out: {"hour": 11, "minute": 9}
